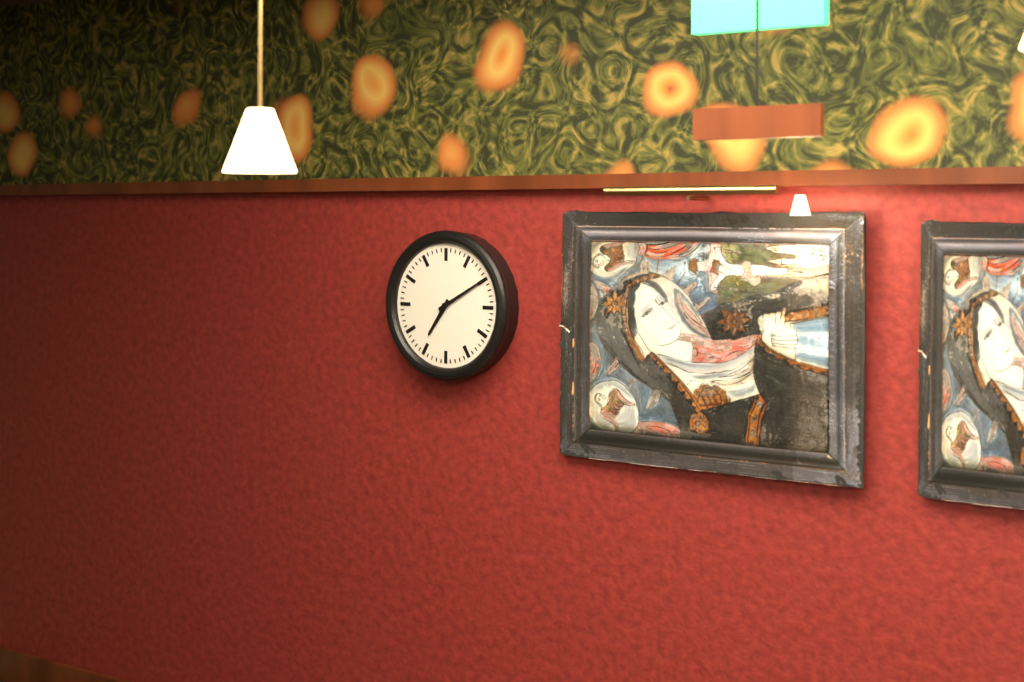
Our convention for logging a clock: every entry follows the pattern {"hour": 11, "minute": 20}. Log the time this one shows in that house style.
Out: {"hour": 7, "minute": 10}
